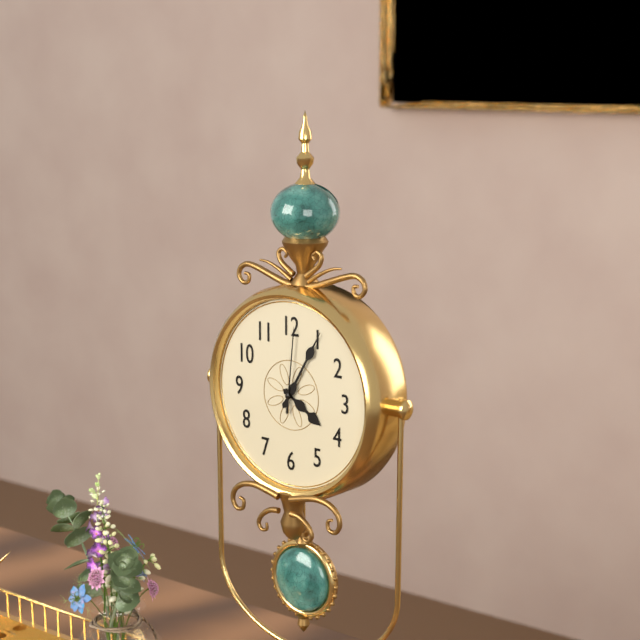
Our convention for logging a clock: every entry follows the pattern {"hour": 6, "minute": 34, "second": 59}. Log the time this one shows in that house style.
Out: {"hour": 4, "minute": 5, "second": 1}
